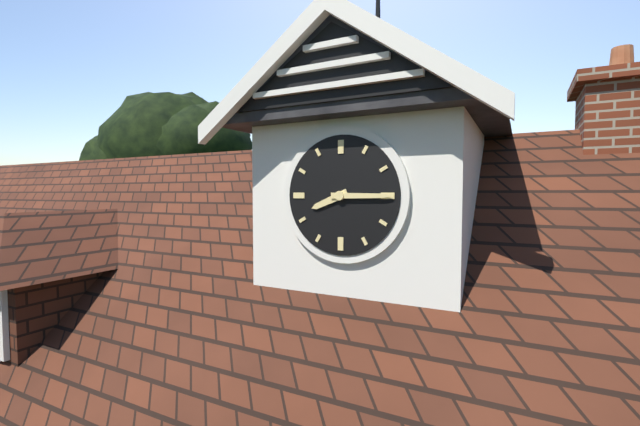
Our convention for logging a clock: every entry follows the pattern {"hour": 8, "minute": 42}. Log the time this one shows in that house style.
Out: {"hour": 8, "minute": 15}
